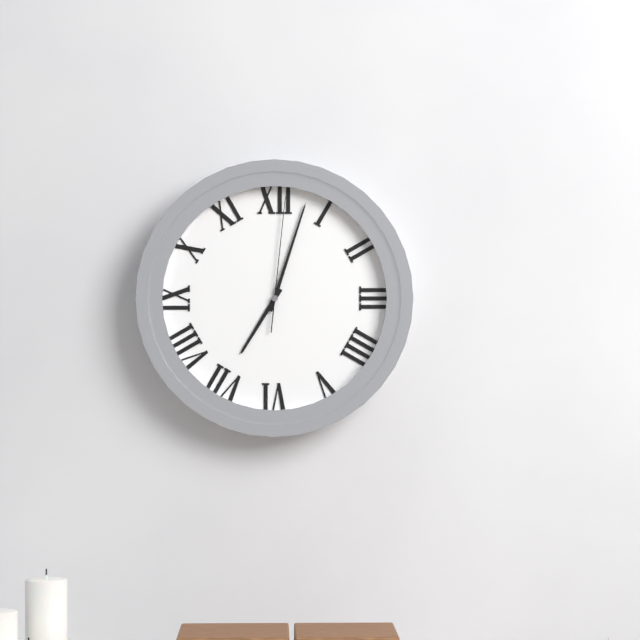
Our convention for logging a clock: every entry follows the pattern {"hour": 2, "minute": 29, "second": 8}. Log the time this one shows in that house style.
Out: {"hour": 7, "minute": 3, "second": 1}
